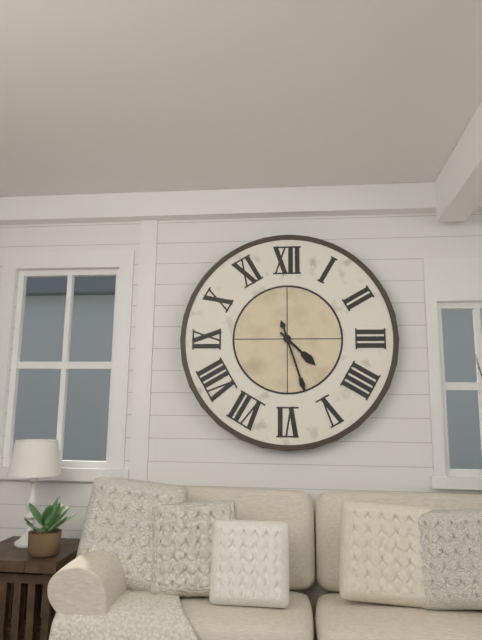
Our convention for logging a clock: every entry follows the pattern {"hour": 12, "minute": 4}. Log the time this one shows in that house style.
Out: {"hour": 4, "minute": 27}
